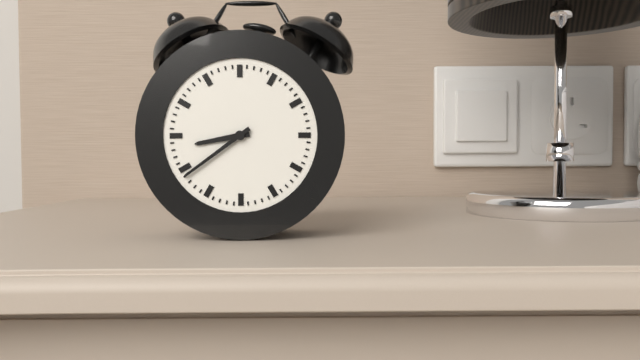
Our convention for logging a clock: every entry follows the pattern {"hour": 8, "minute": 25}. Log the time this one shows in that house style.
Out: {"hour": 8, "minute": 39}
